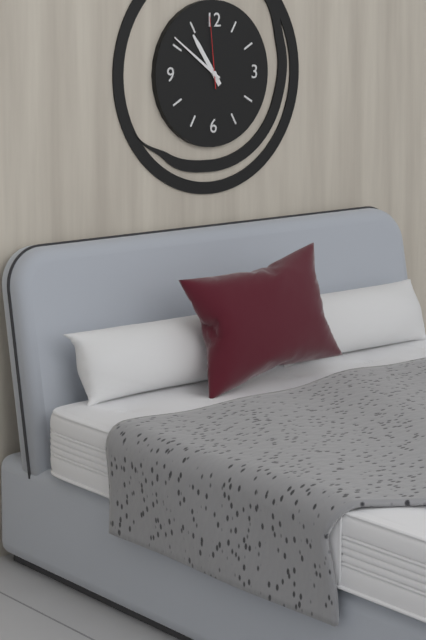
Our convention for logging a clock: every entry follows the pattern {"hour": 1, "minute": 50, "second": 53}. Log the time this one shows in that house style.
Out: {"hour": 10, "minute": 51, "second": 59}
